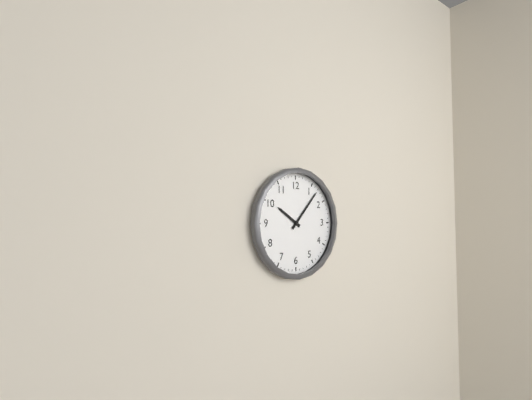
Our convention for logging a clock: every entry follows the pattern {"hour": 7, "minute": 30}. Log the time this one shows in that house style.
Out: {"hour": 10, "minute": 7}
